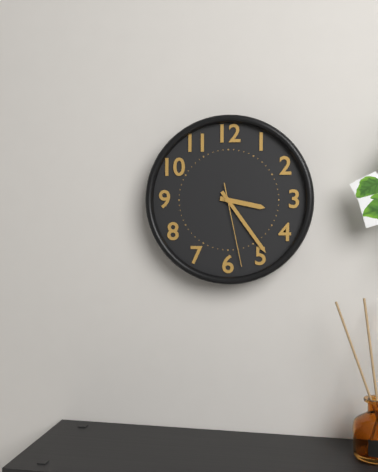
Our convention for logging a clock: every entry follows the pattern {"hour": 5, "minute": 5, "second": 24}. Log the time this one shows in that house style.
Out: {"hour": 3, "minute": 24, "second": 28}
